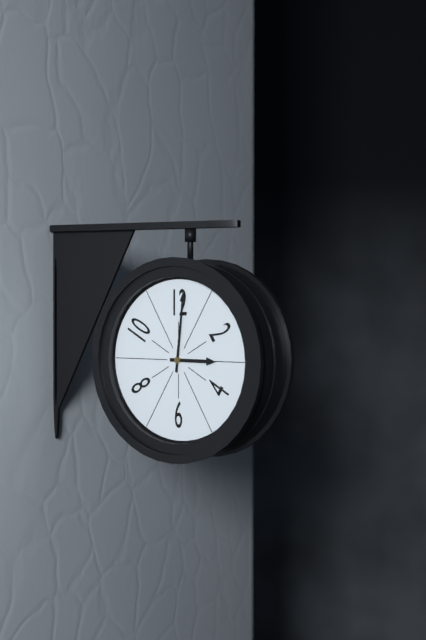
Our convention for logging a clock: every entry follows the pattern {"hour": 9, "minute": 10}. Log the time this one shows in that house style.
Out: {"hour": 3, "minute": 1}
